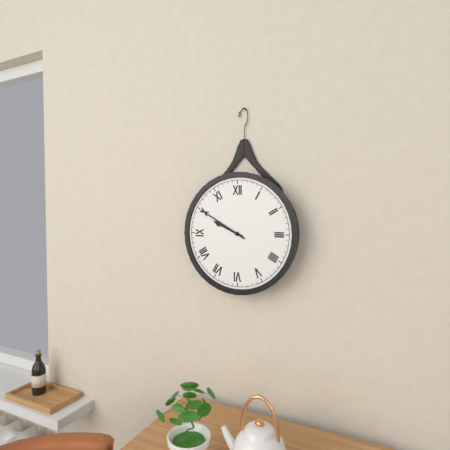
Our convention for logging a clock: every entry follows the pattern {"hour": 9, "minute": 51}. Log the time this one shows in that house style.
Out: {"hour": 9, "minute": 50}
